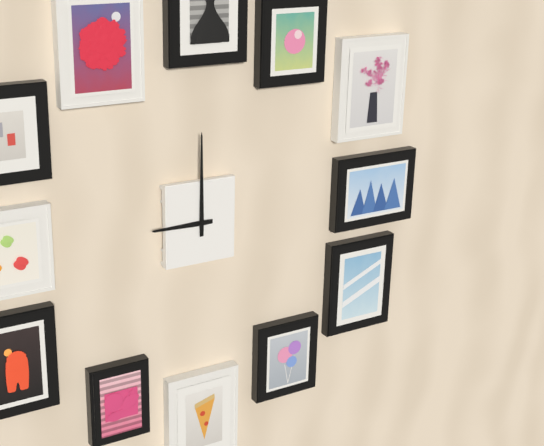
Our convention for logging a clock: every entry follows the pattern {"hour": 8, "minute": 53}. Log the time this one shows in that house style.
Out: {"hour": 9, "minute": 0}
